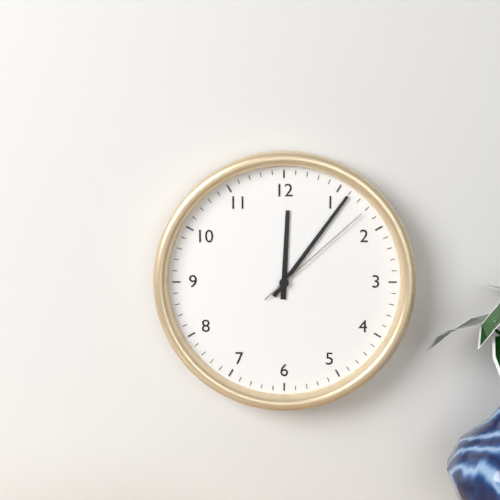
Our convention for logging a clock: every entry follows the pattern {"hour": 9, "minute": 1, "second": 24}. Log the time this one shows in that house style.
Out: {"hour": 12, "minute": 6, "second": 8}
